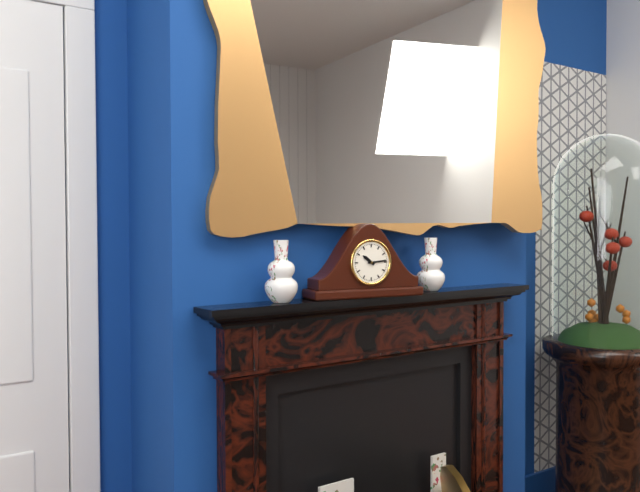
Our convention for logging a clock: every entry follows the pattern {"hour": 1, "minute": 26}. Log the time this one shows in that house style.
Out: {"hour": 10, "minute": 14}
